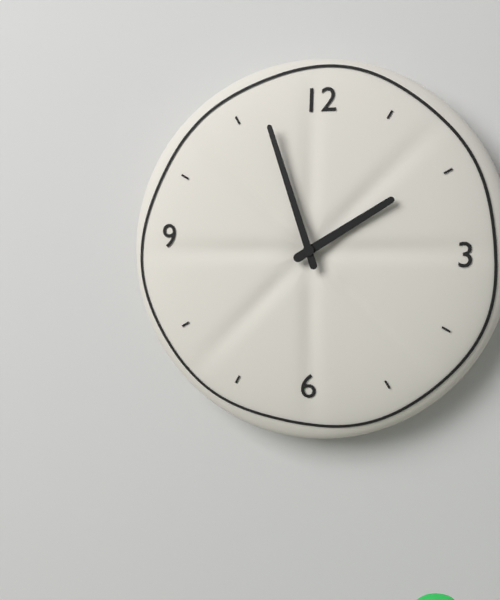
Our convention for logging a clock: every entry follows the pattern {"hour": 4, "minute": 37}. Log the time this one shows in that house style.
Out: {"hour": 1, "minute": 57}
